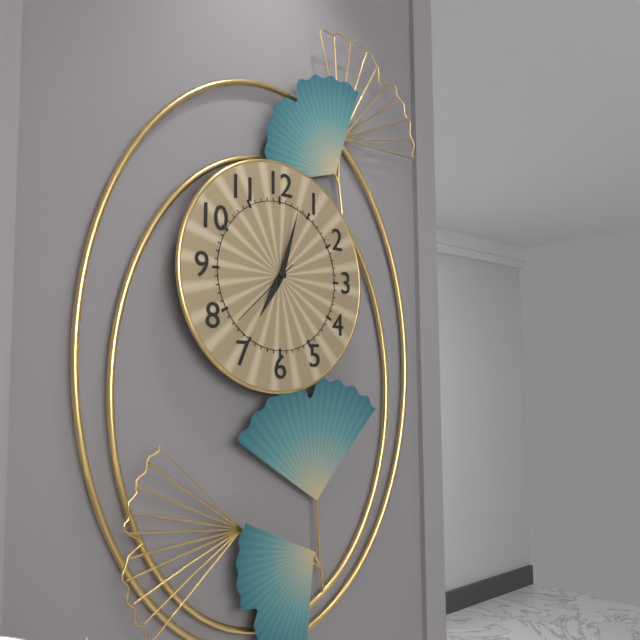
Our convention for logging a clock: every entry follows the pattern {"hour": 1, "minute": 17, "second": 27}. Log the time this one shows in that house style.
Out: {"hour": 7, "minute": 3, "second": 38}
